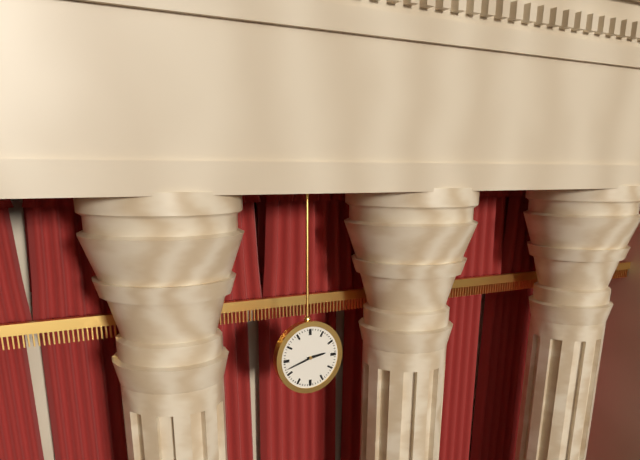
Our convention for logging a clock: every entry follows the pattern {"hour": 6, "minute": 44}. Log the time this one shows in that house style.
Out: {"hour": 2, "minute": 42}
